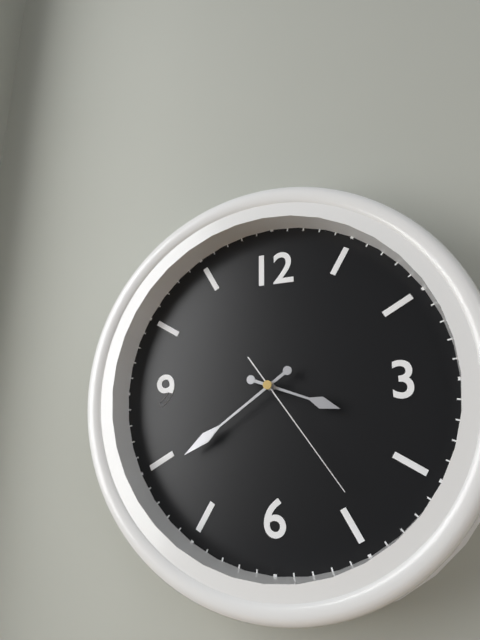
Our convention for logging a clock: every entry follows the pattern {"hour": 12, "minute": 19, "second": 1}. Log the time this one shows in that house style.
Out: {"hour": 3, "minute": 39, "second": 24}
